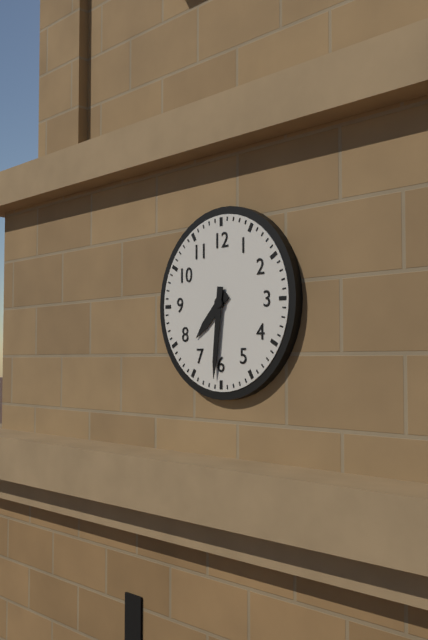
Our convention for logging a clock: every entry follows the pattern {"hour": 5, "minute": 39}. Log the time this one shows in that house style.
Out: {"hour": 7, "minute": 31}
